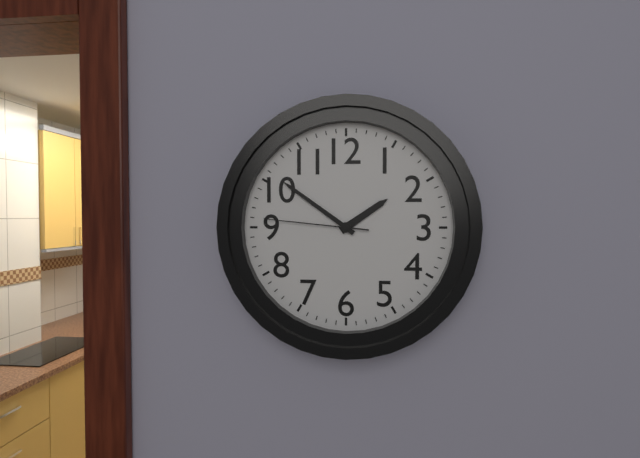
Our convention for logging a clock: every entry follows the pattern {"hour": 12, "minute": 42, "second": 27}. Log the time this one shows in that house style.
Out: {"hour": 1, "minute": 51, "second": 46}
